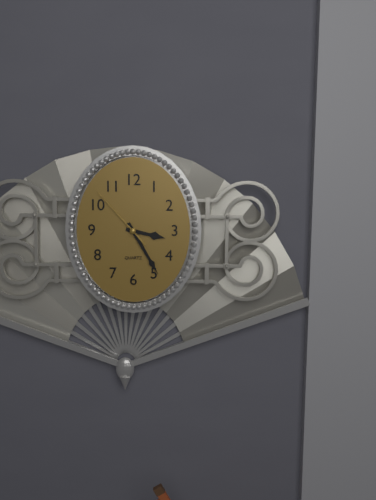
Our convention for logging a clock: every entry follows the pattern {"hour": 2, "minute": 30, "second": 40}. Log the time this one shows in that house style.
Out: {"hour": 3, "minute": 25, "second": 53}
